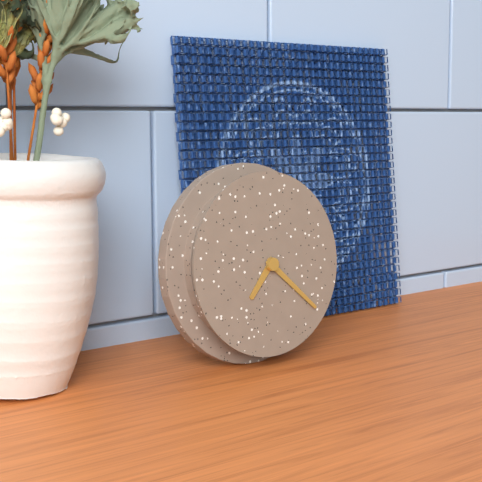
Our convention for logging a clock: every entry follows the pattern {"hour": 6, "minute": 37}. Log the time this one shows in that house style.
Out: {"hour": 7, "minute": 22}
